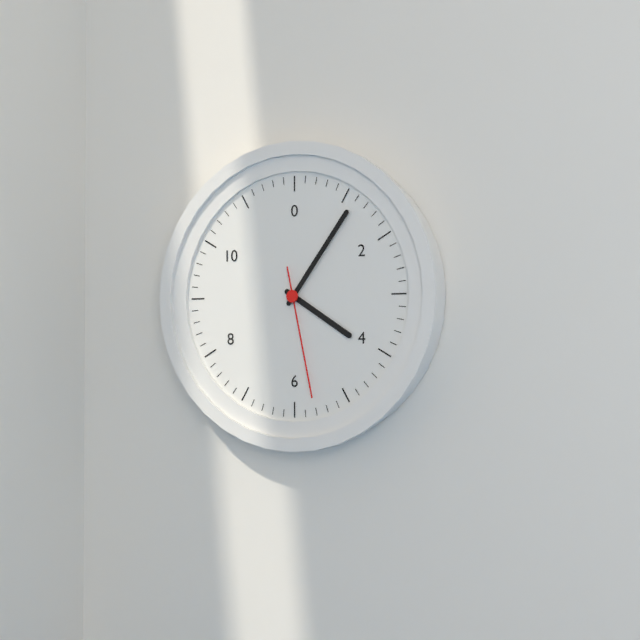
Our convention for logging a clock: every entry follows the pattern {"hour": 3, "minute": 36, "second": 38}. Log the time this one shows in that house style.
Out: {"hour": 4, "minute": 6, "second": 28}
